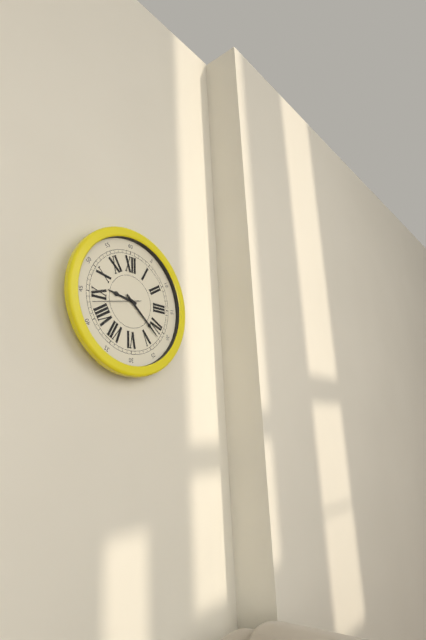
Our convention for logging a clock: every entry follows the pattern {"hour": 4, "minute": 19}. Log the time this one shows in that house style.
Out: {"hour": 9, "minute": 22}
